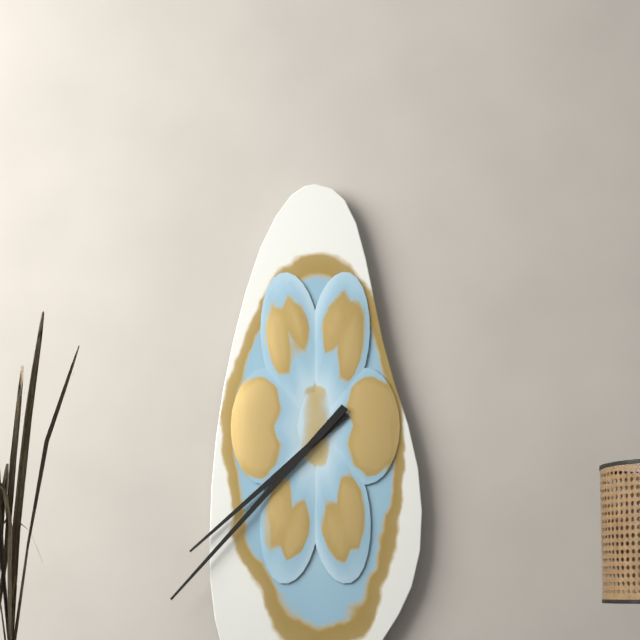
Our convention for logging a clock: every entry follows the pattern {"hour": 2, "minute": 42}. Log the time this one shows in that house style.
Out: {"hour": 7, "minute": 37}
